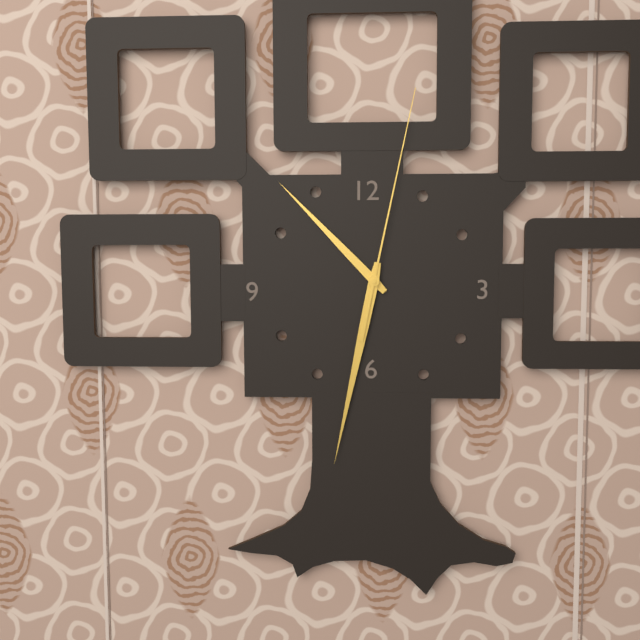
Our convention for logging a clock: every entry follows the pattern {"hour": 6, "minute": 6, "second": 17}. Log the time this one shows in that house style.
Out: {"hour": 10, "minute": 32, "second": 2}
